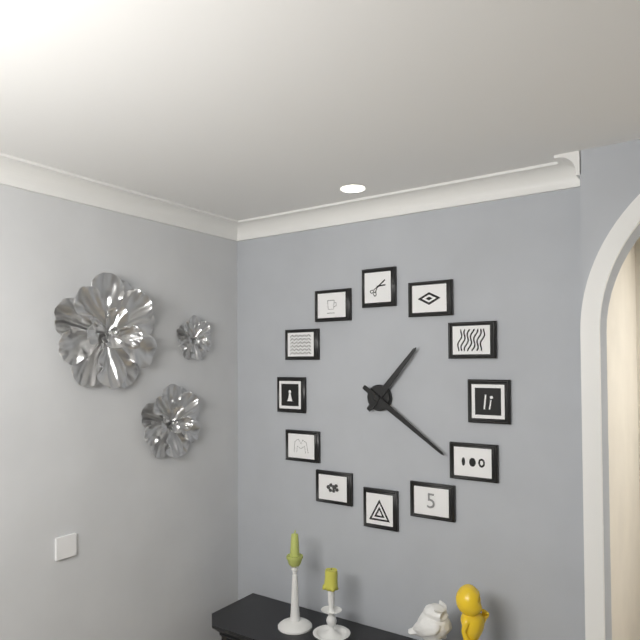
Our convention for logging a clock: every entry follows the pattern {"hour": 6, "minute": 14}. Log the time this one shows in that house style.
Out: {"hour": 1, "minute": 21}
